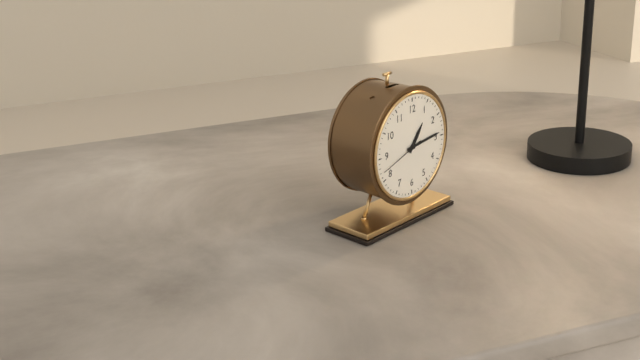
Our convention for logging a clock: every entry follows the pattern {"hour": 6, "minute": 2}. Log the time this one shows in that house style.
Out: {"hour": 1, "minute": 14}
